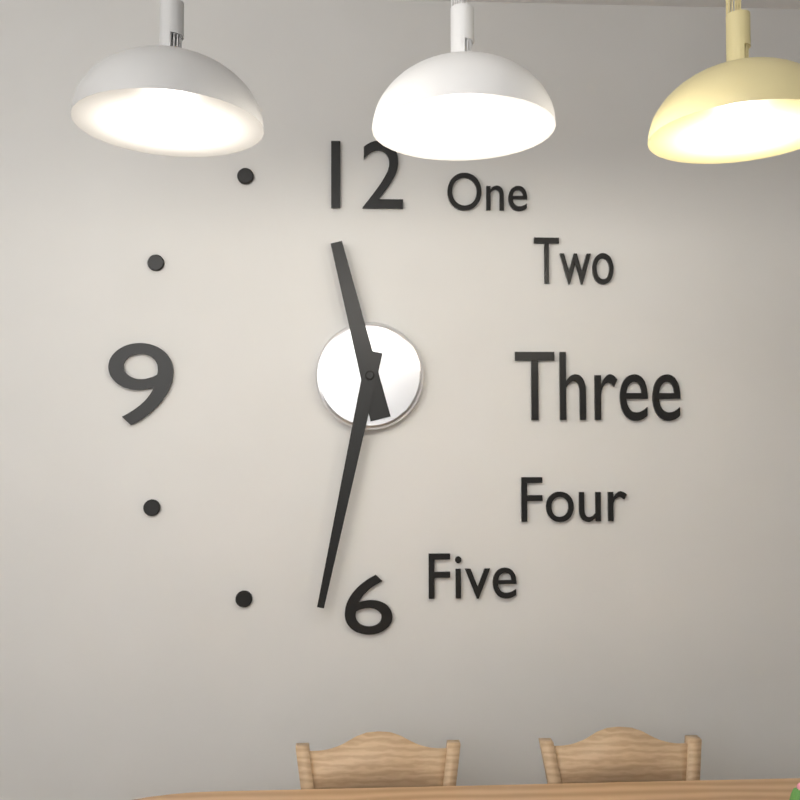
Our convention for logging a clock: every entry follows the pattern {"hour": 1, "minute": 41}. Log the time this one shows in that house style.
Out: {"hour": 11, "minute": 32}
